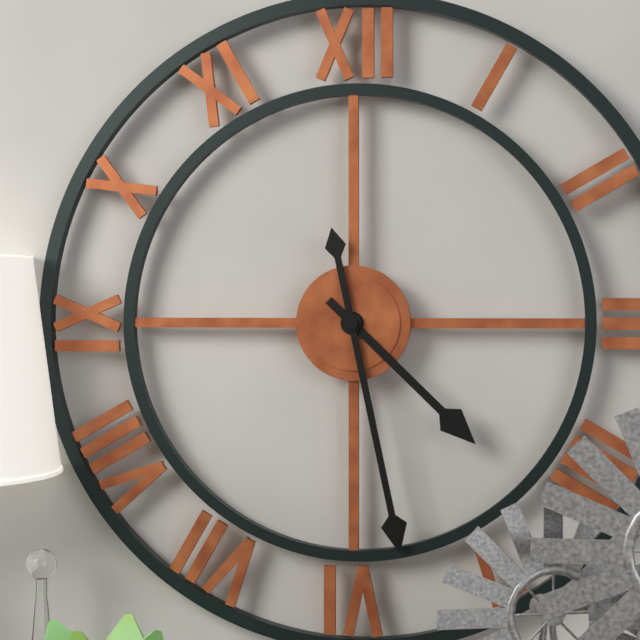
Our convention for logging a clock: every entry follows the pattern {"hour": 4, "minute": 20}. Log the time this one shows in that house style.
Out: {"hour": 4, "minute": 28}
